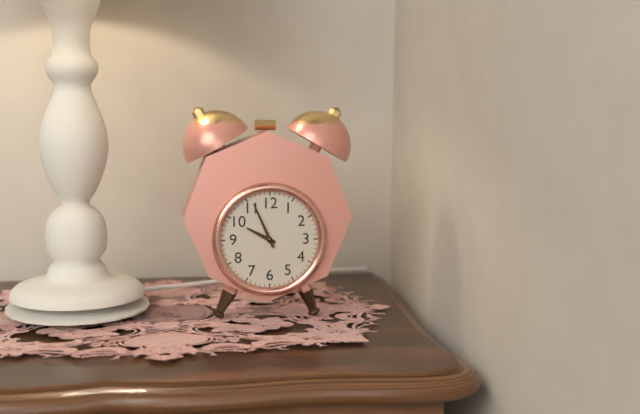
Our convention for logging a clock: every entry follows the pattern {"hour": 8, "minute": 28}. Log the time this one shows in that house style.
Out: {"hour": 9, "minute": 56}
